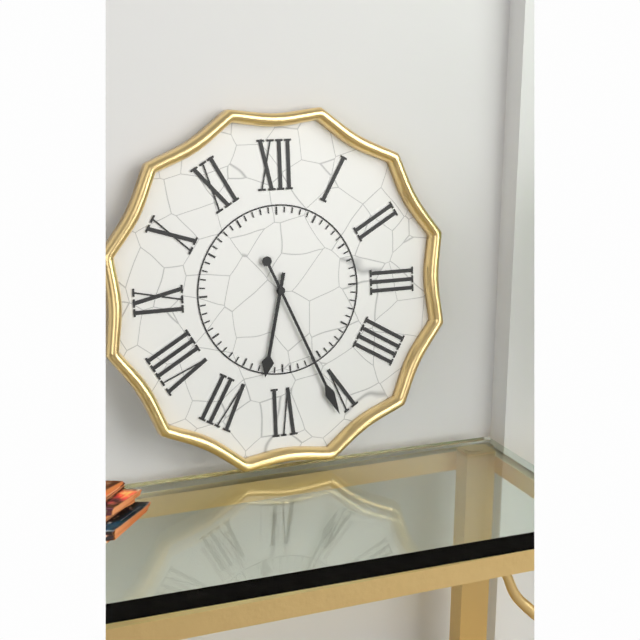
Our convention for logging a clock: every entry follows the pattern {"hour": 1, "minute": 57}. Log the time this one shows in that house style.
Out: {"hour": 6, "minute": 26}
